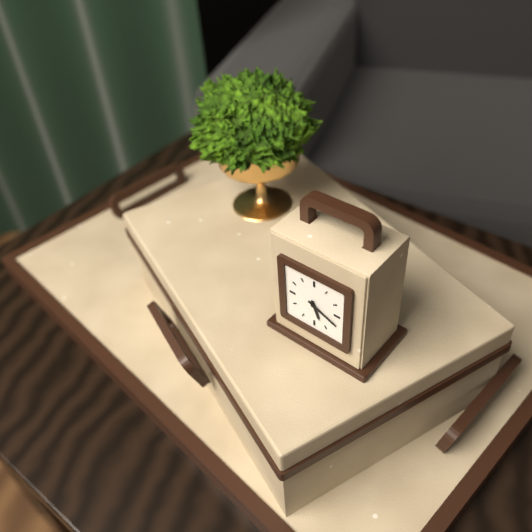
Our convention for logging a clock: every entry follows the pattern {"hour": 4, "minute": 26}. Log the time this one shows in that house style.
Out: {"hour": 5, "minute": 19}
